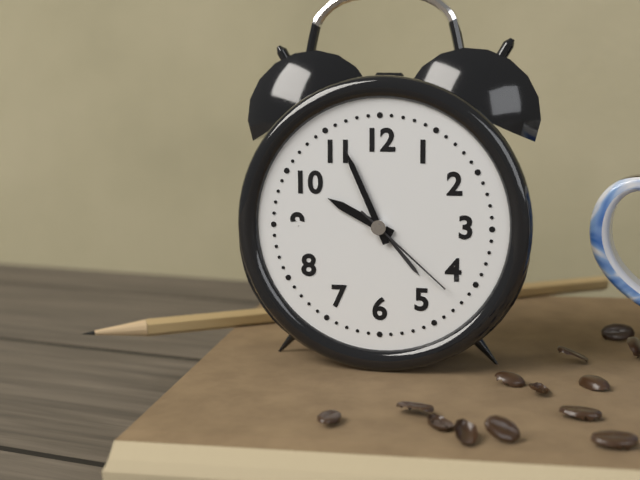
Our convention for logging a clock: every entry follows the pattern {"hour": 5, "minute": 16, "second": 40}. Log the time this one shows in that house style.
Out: {"hour": 9, "minute": 56, "second": 22}
